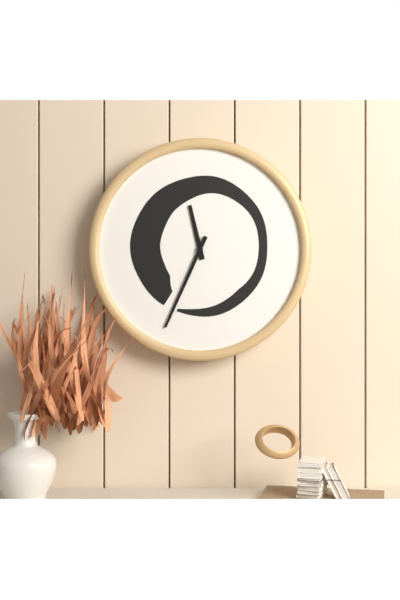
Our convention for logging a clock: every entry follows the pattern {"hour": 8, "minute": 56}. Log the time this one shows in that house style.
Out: {"hour": 11, "minute": 34}
